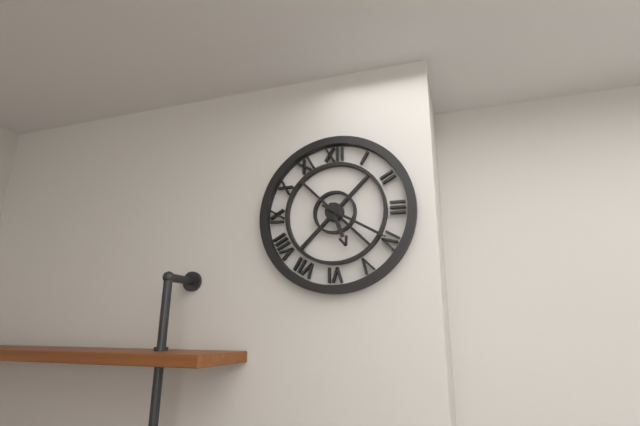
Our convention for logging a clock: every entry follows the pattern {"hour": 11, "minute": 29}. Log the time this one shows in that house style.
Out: {"hour": 5, "minute": 20}
